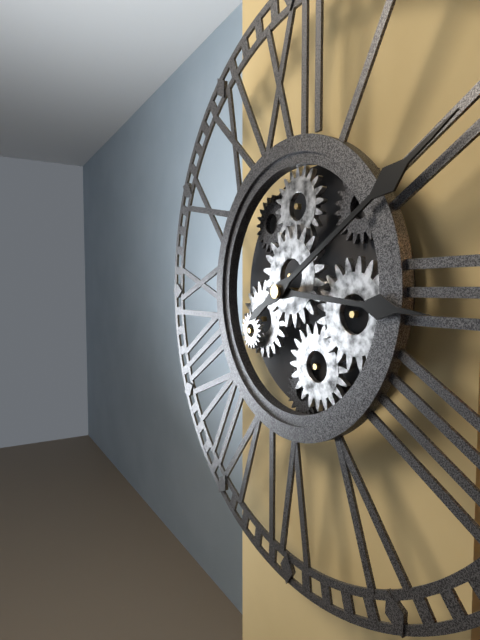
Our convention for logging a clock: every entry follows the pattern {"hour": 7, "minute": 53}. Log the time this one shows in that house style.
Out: {"hour": 3, "minute": 10}
